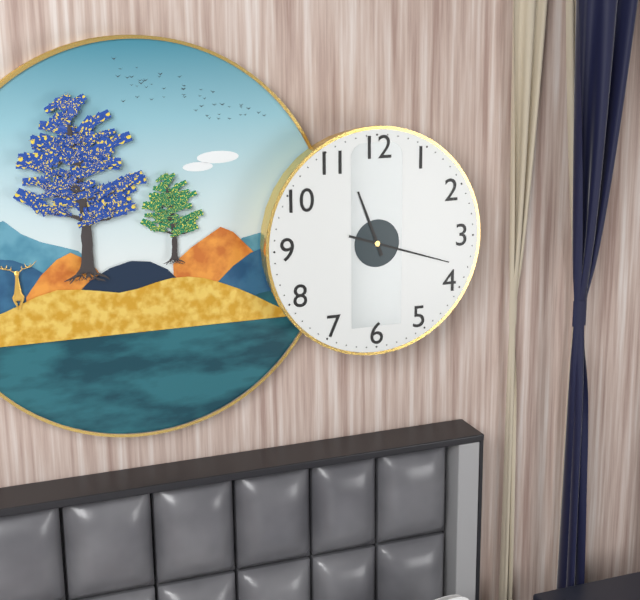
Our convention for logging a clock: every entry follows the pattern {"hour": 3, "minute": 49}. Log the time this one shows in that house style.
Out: {"hour": 11, "minute": 18}
